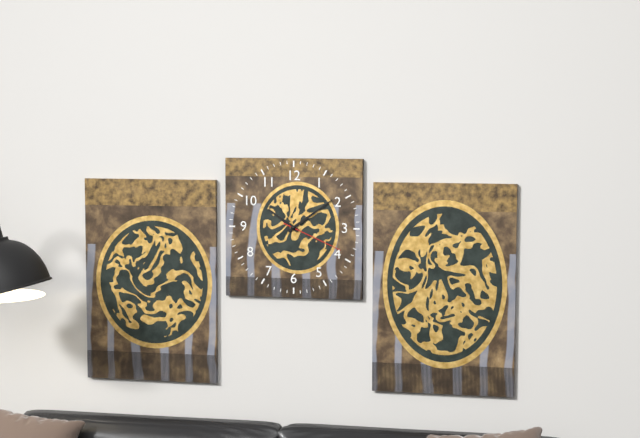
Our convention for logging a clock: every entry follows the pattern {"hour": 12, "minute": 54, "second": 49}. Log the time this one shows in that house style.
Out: {"hour": 10, "minute": 9, "second": 19}
